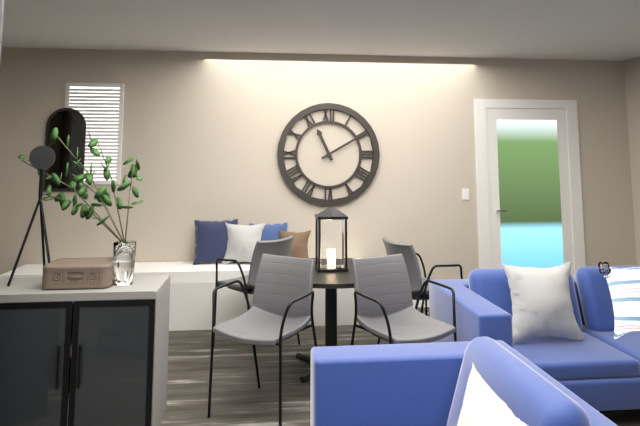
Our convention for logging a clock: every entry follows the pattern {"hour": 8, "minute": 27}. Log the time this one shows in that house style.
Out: {"hour": 11, "minute": 10}
